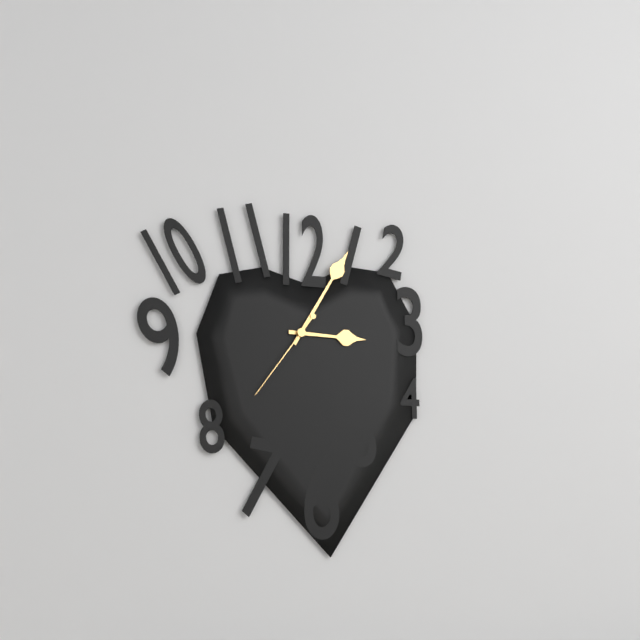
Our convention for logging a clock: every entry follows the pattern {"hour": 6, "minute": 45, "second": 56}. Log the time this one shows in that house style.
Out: {"hour": 3, "minute": 5, "second": 36}
